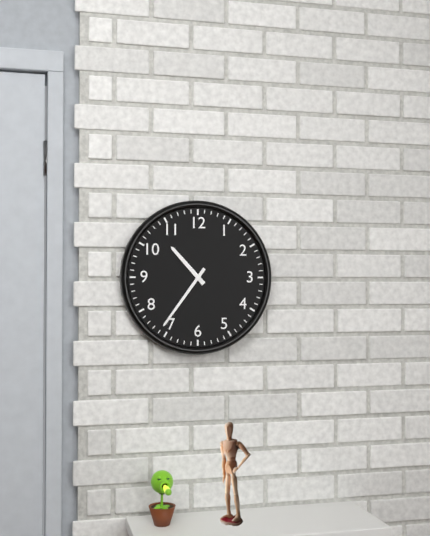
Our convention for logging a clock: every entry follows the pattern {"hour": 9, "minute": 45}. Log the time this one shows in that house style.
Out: {"hour": 10, "minute": 36}
